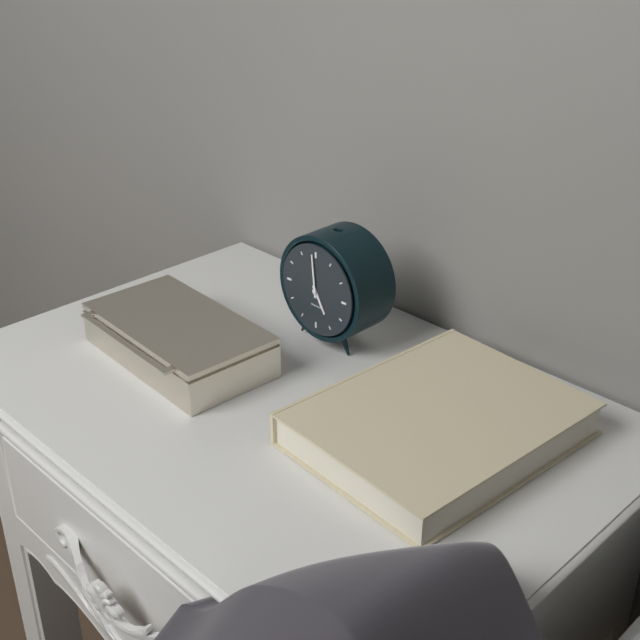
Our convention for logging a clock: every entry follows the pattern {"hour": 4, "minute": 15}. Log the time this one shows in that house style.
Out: {"hour": 4, "minute": 59}
